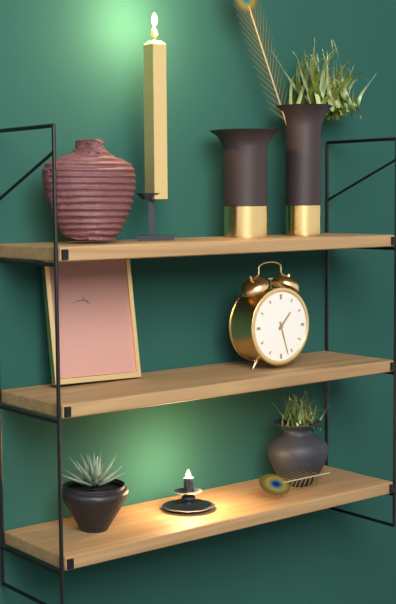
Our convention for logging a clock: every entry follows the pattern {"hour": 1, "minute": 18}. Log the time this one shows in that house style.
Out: {"hour": 1, "minute": 27}
